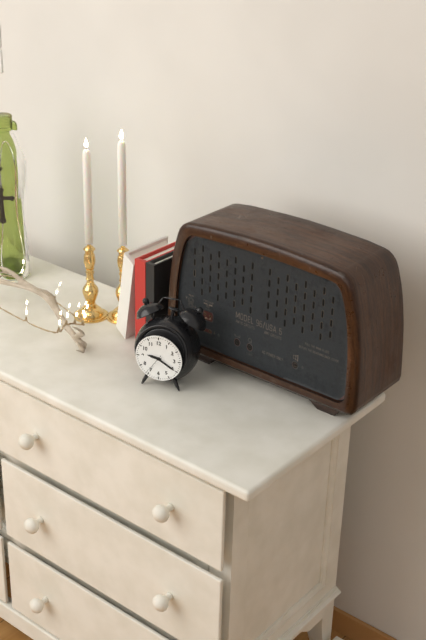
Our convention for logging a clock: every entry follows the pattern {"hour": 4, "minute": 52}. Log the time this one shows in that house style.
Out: {"hour": 9, "minute": 20}
